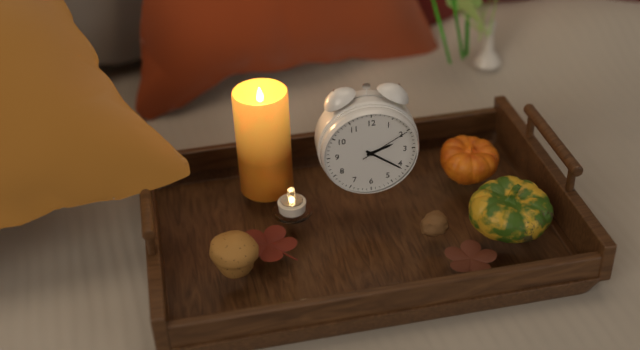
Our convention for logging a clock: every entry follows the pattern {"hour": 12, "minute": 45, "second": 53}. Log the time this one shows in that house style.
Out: {"hour": 2, "minute": 21, "second": 10}
